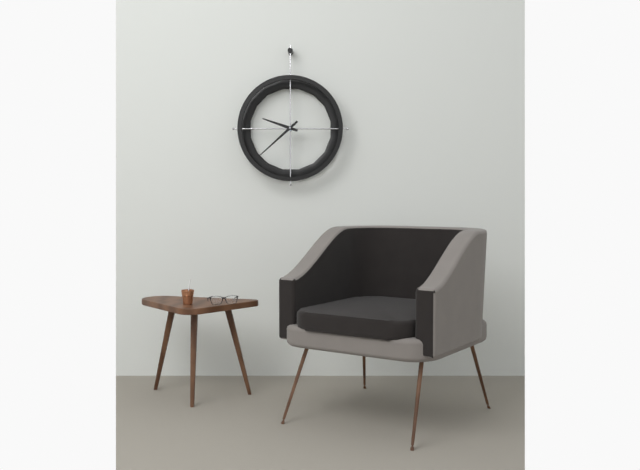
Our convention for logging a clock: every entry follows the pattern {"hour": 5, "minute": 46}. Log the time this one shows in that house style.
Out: {"hour": 9, "minute": 38}
